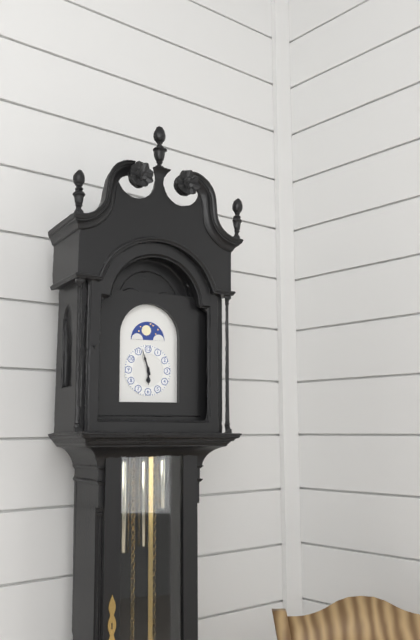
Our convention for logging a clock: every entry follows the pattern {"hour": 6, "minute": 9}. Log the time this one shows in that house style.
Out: {"hour": 5, "minute": 57}
